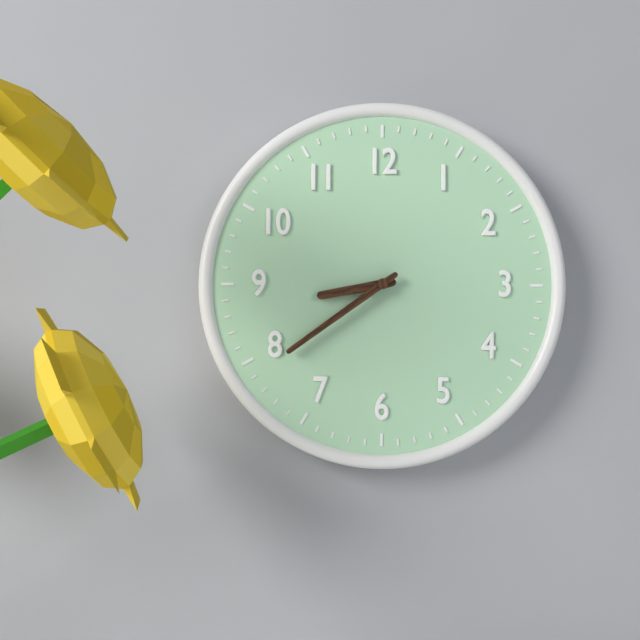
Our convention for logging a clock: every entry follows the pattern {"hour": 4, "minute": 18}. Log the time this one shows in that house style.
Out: {"hour": 8, "minute": 39}
